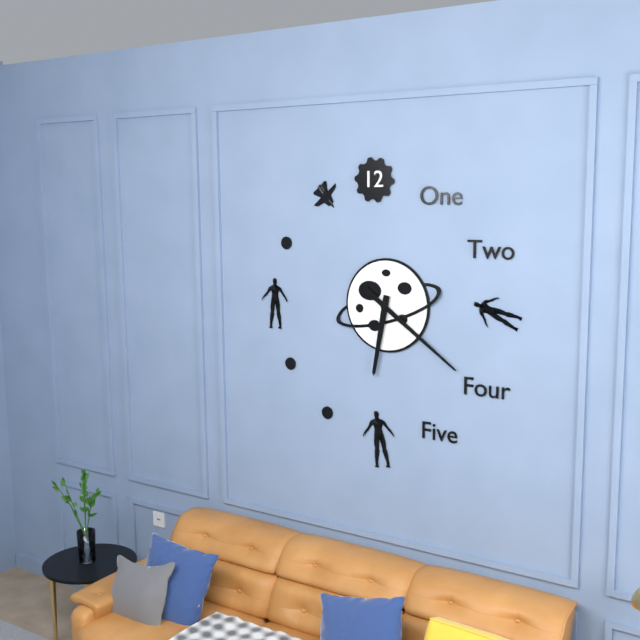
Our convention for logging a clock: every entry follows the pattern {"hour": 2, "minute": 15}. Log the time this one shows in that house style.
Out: {"hour": 6, "minute": 21}
